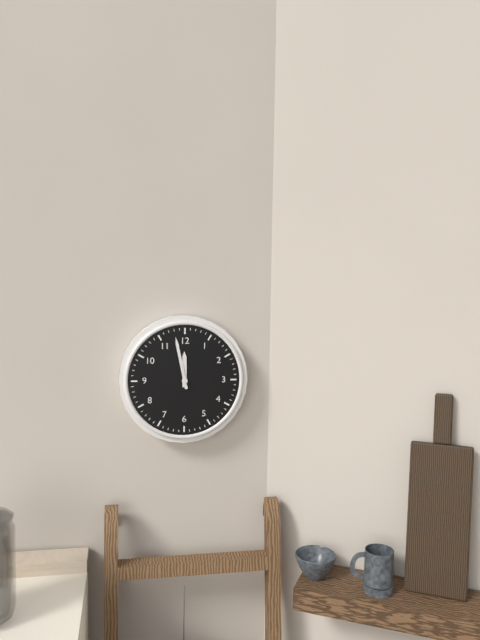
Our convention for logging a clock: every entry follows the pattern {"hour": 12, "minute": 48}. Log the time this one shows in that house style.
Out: {"hour": 11, "minute": 58}
